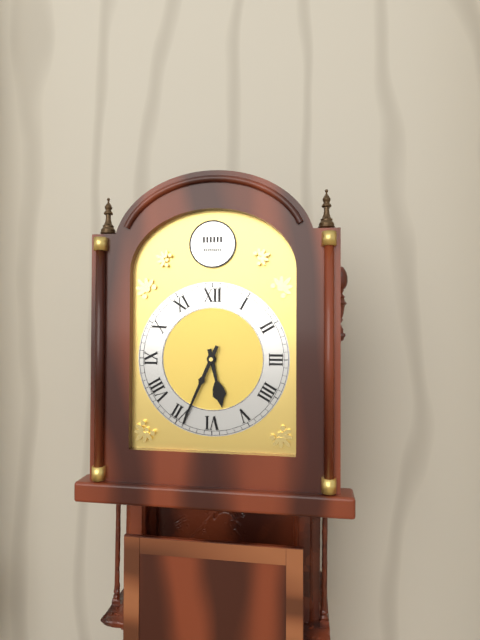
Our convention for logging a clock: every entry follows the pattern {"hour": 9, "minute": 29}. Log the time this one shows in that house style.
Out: {"hour": 5, "minute": 34}
